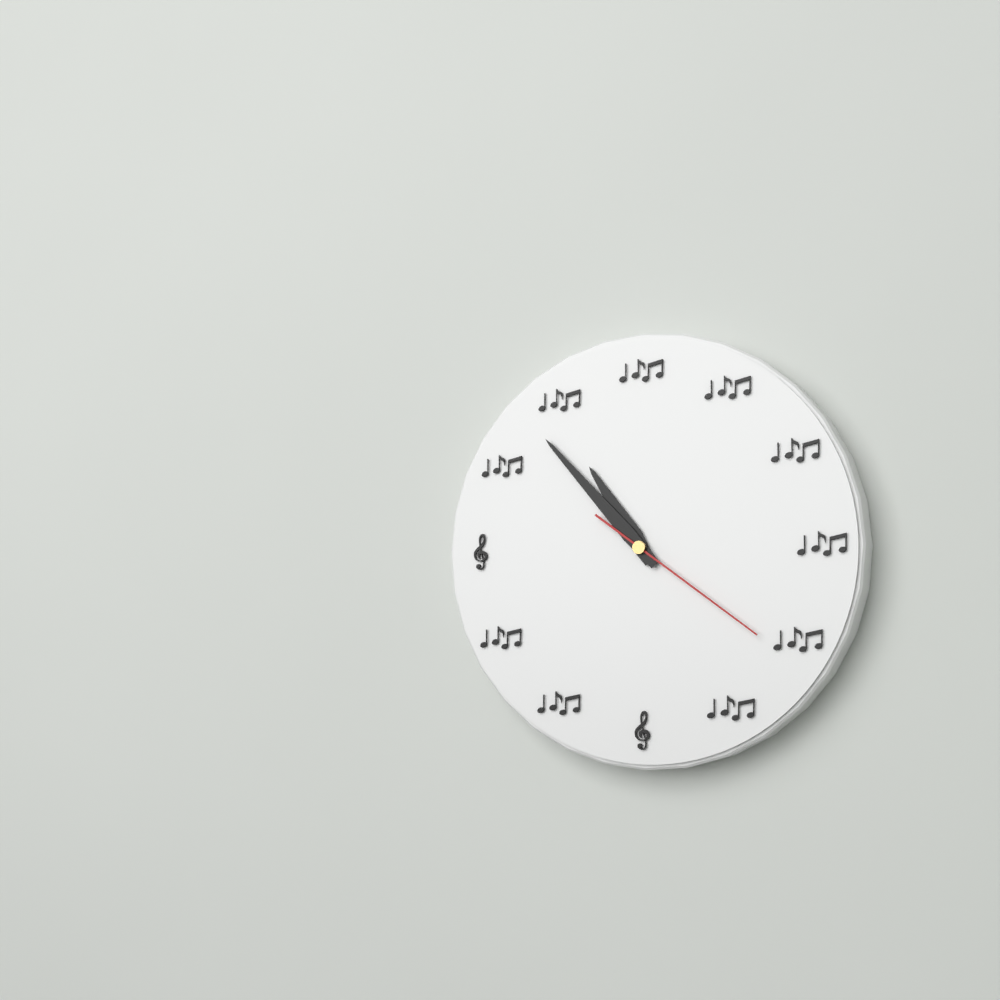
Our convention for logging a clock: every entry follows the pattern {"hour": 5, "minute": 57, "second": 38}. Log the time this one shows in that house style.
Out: {"hour": 10, "minute": 53, "second": 21}
